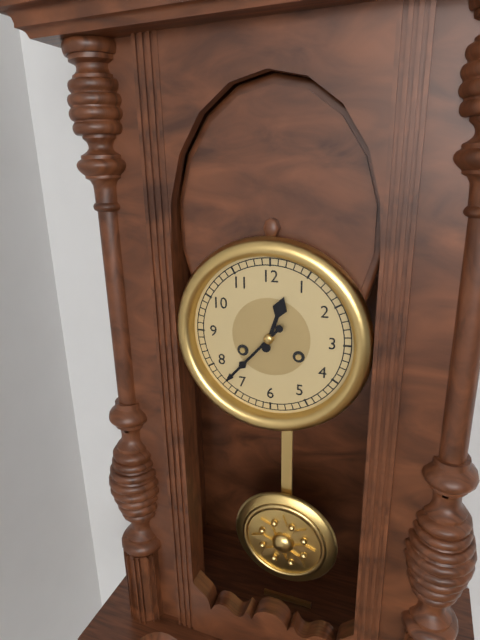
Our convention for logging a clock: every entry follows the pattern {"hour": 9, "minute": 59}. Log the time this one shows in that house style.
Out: {"hour": 12, "minute": 37}
